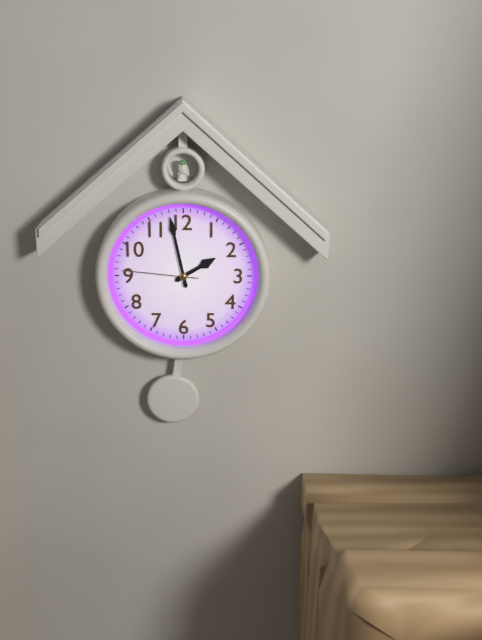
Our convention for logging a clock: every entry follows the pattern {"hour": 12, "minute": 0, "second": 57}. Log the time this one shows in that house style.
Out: {"hour": 1, "minute": 58, "second": 46}
